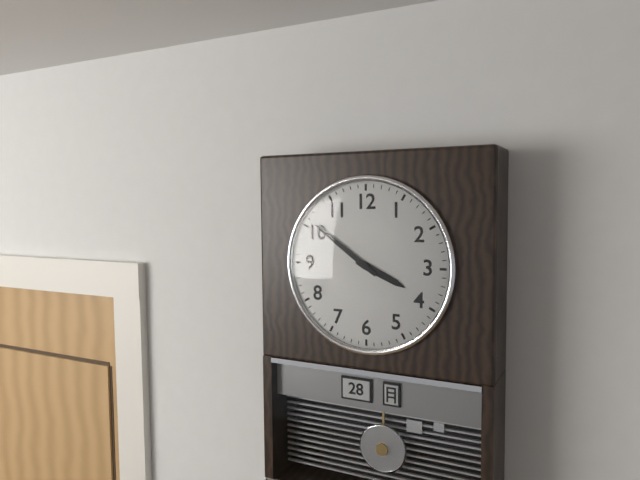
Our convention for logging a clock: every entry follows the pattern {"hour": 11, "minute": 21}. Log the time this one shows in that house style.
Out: {"hour": 3, "minute": 51}
